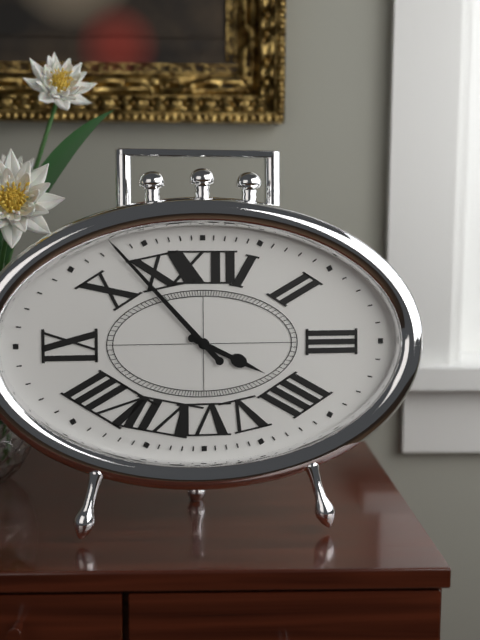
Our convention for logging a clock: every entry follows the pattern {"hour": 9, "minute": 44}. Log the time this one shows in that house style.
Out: {"hour": 3, "minute": 53}
